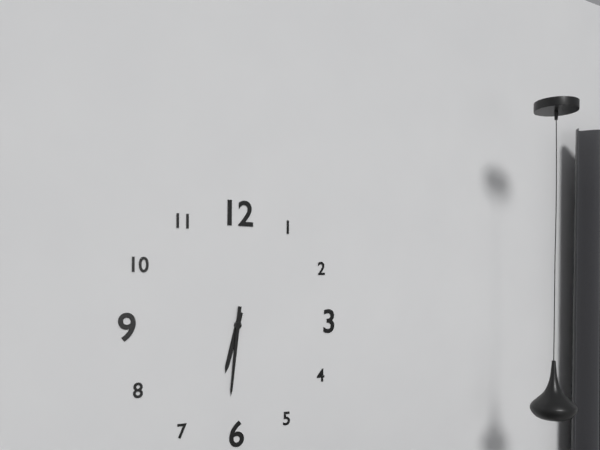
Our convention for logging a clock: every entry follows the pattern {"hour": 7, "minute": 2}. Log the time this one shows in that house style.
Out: {"hour": 6, "minute": 31}
